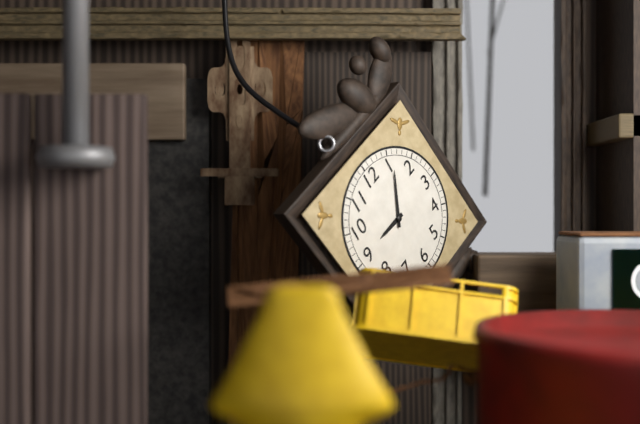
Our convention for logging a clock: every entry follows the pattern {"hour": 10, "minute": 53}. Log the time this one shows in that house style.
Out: {"hour": 9, "minute": 6}
